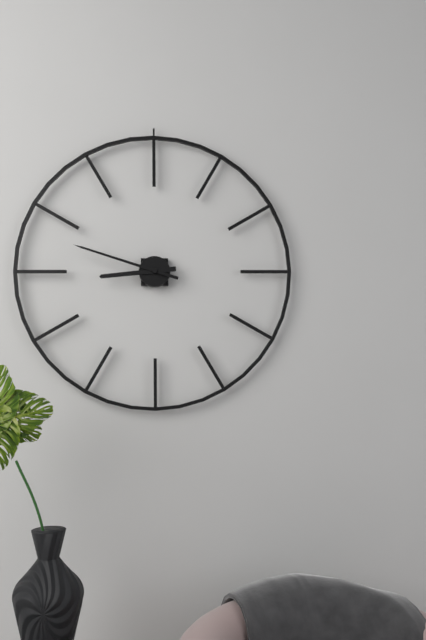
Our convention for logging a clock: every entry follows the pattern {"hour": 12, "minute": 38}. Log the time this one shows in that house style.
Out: {"hour": 8, "minute": 48}
